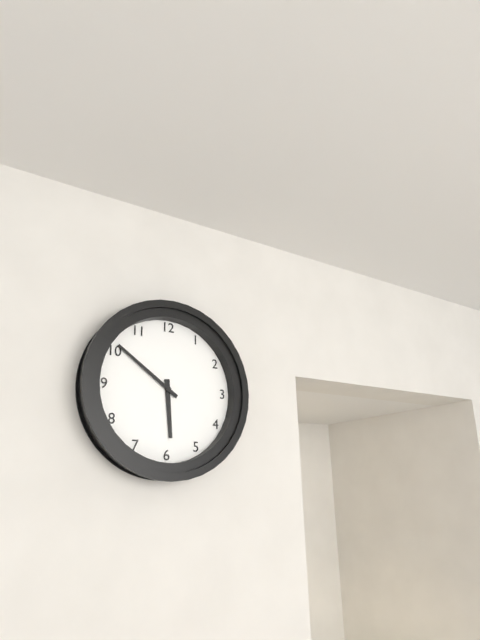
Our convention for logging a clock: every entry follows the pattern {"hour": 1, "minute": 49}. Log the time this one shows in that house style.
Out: {"hour": 5, "minute": 51}
